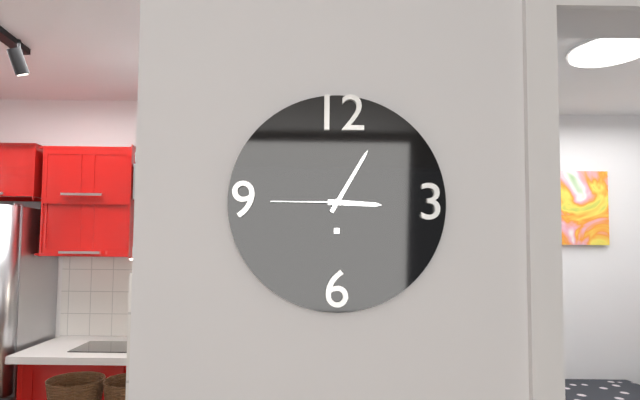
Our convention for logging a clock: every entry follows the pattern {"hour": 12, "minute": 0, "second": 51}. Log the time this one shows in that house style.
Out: {"hour": 3, "minute": 5, "second": 45}
